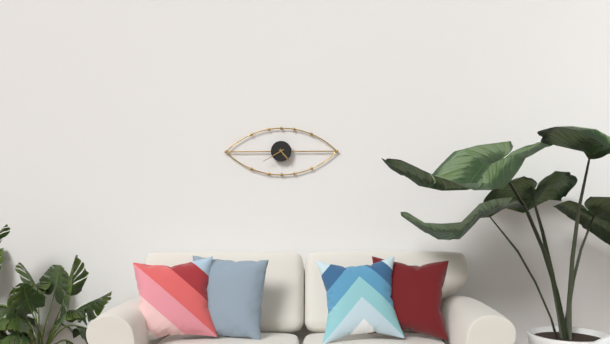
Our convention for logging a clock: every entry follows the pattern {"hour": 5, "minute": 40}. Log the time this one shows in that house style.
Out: {"hour": 4, "minute": 40}
